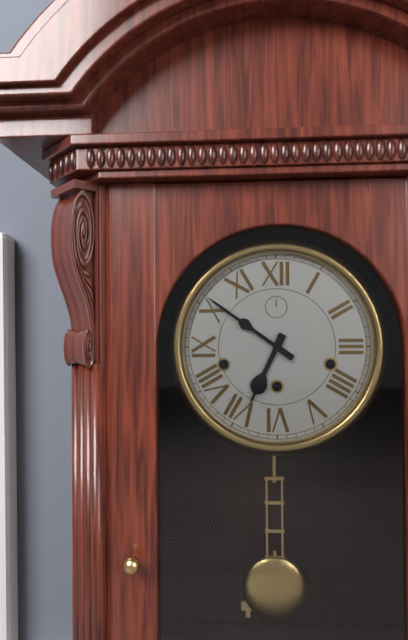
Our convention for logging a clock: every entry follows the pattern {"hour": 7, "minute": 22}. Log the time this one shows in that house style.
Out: {"hour": 6, "minute": 51}
